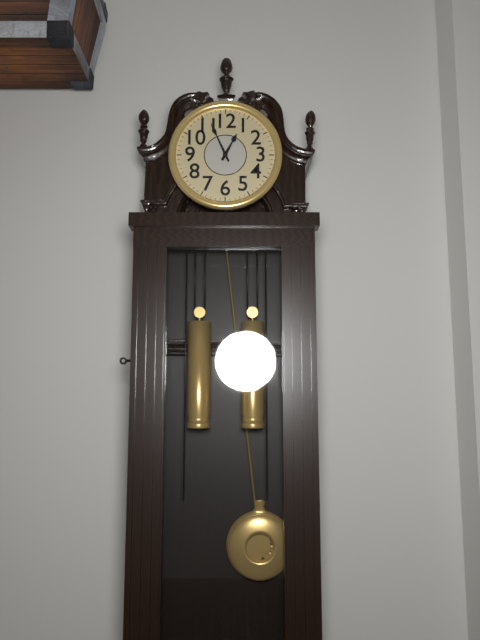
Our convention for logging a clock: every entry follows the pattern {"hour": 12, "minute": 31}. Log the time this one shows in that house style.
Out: {"hour": 12, "minute": 56}
